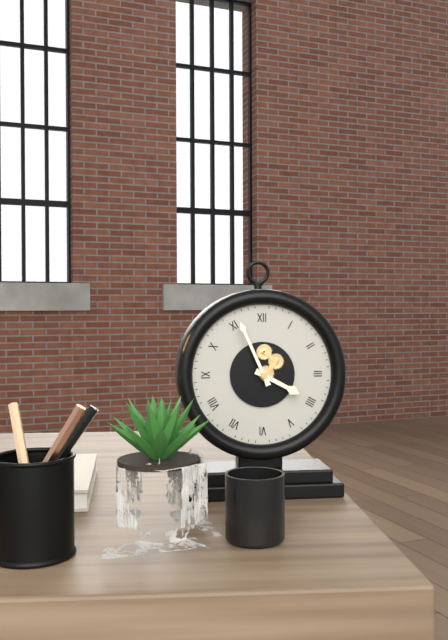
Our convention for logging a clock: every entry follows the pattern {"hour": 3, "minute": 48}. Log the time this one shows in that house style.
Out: {"hour": 3, "minute": 56}
